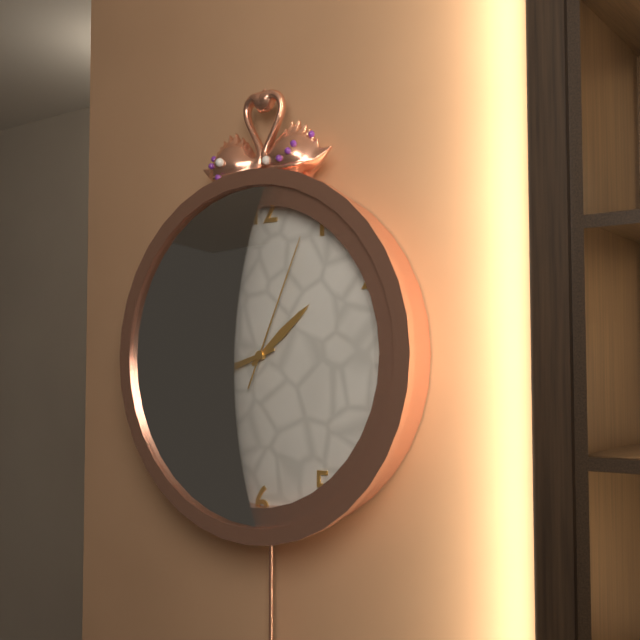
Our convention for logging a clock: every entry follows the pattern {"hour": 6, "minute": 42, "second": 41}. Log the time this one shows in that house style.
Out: {"hour": 1, "minute": 42, "second": 4}
